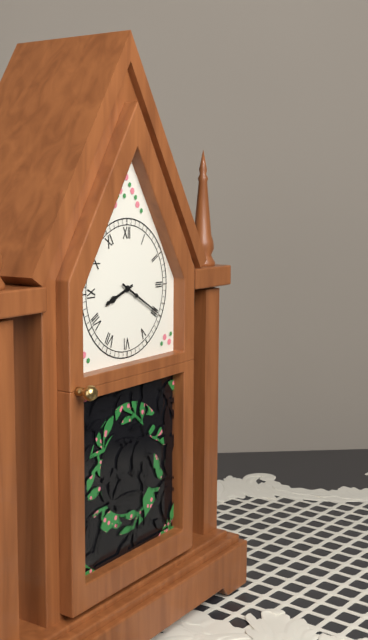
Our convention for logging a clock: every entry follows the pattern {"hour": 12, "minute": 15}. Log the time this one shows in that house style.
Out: {"hour": 8, "minute": 20}
